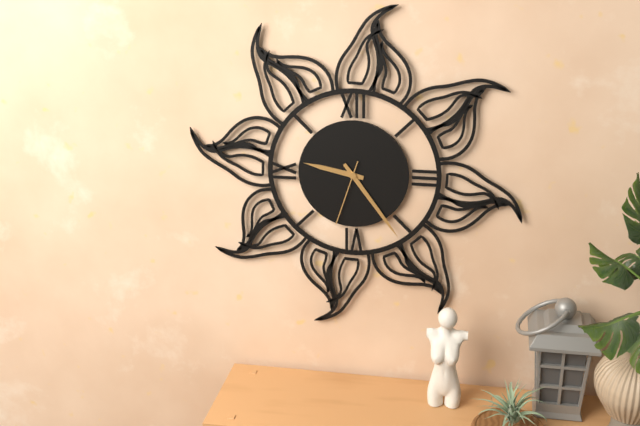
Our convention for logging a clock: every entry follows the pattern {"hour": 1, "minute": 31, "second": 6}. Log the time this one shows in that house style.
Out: {"hour": 9, "minute": 24, "second": 33}
